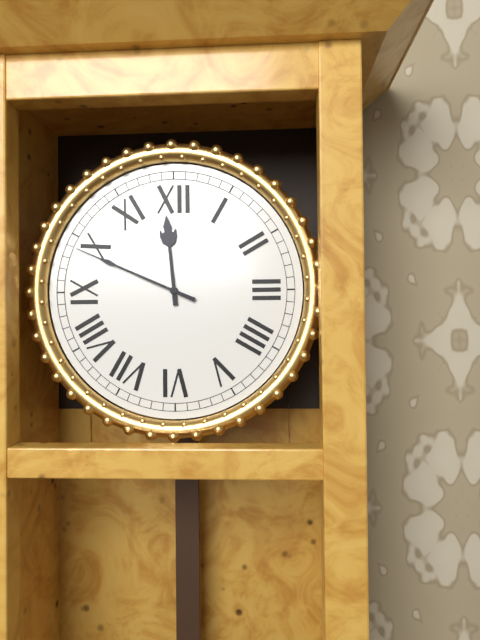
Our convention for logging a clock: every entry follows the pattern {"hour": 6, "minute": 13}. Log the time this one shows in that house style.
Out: {"hour": 11, "minute": 49}
